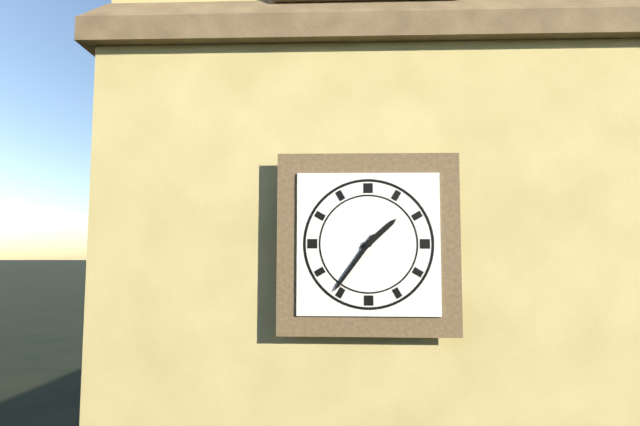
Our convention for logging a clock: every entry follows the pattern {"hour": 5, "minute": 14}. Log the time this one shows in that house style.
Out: {"hour": 1, "minute": 36}
